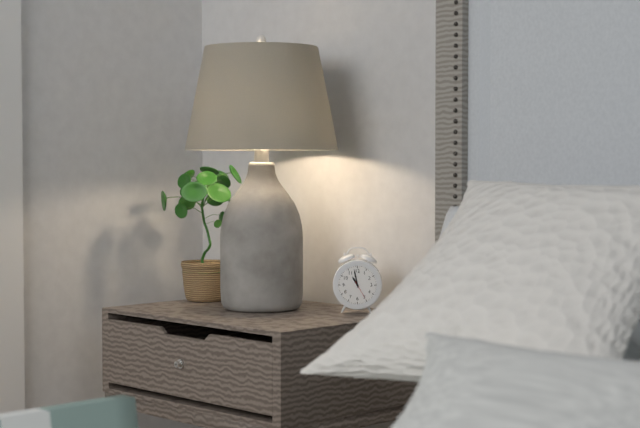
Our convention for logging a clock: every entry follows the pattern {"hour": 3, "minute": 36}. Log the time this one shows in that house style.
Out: {"hour": 10, "minute": 58}
